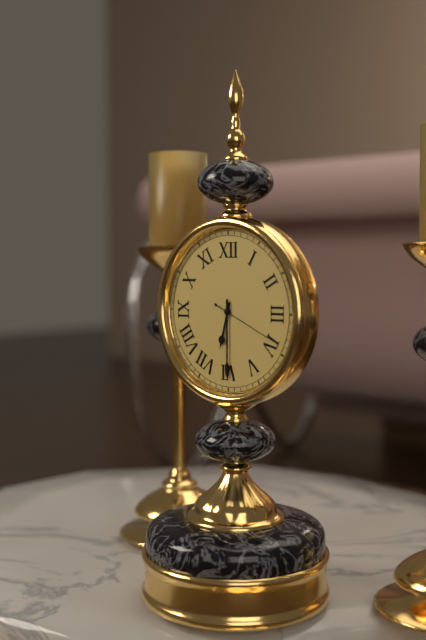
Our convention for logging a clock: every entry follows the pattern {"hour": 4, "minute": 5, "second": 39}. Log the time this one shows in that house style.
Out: {"hour": 6, "minute": 30, "second": 19}
